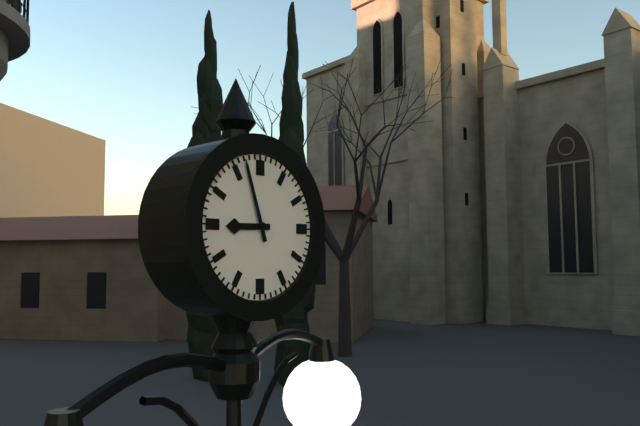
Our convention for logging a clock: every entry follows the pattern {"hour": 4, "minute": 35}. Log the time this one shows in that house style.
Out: {"hour": 8, "minute": 57}
